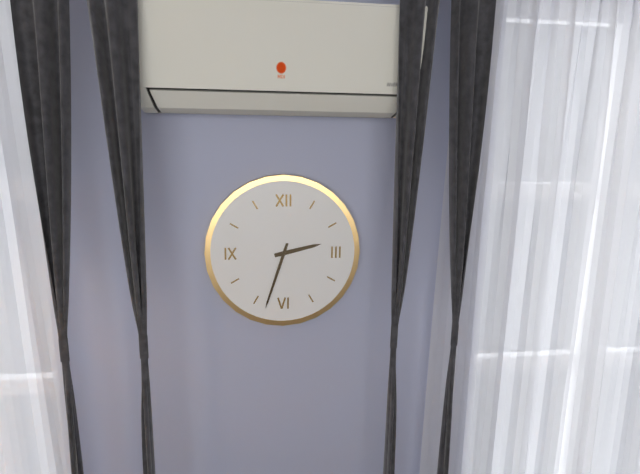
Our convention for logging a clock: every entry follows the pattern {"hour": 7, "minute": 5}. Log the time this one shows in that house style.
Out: {"hour": 2, "minute": 33}
